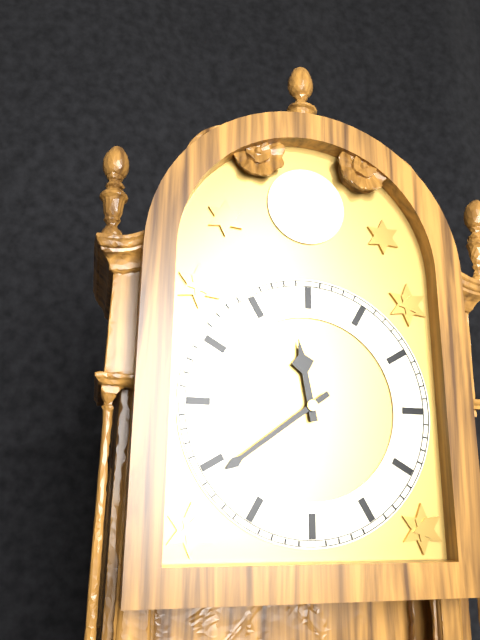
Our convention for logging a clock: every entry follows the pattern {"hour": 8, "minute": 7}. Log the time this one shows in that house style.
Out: {"hour": 11, "minute": 39}
